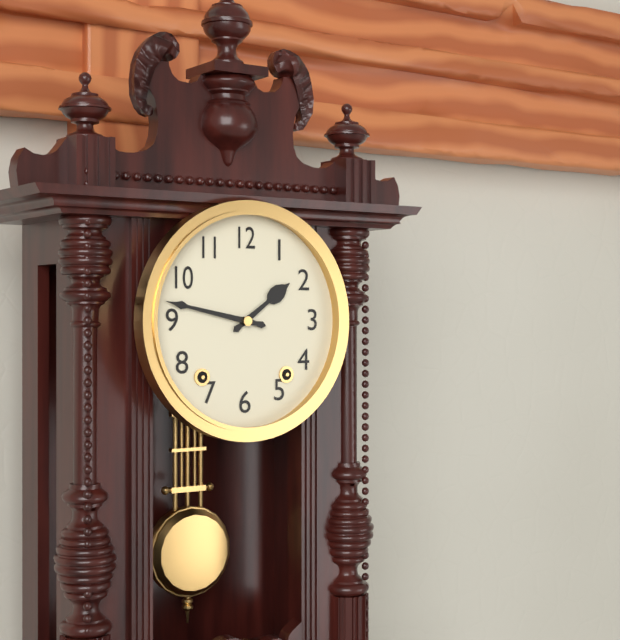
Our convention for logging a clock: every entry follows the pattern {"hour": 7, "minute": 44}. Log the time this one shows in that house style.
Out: {"hour": 1, "minute": 47}
